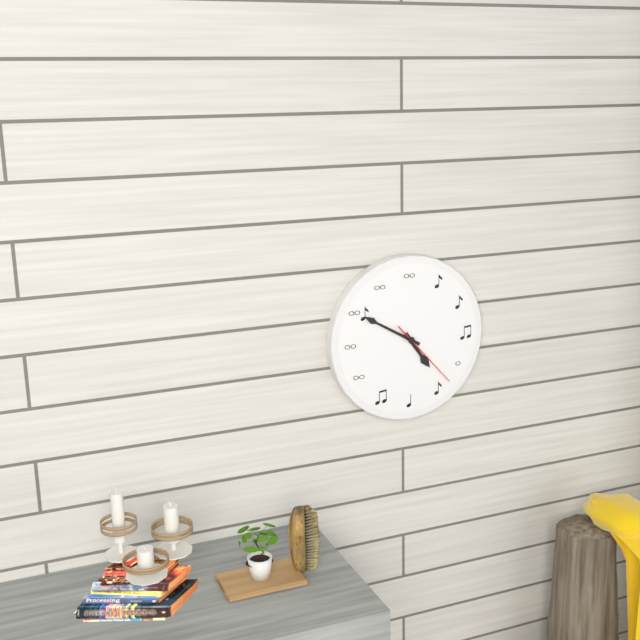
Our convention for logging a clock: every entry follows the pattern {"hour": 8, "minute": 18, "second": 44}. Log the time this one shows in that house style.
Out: {"hour": 4, "minute": 50, "second": 23}
